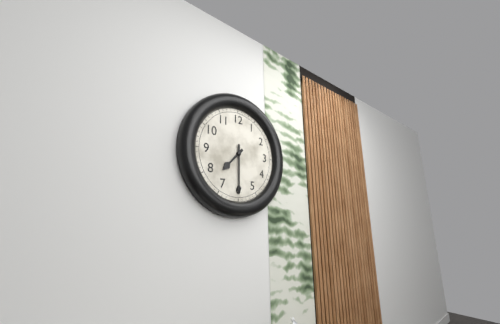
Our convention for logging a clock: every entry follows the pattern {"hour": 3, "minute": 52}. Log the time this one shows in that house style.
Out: {"hour": 7, "minute": 30}
